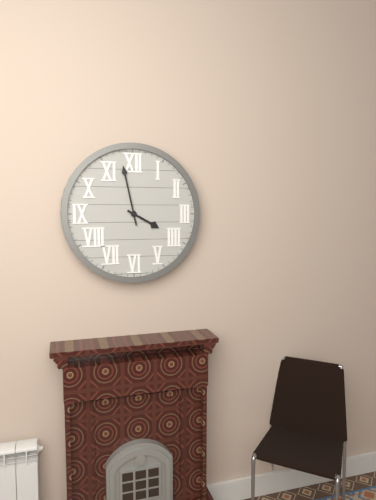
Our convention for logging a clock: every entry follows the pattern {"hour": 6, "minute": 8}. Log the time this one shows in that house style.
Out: {"hour": 3, "minute": 58}
